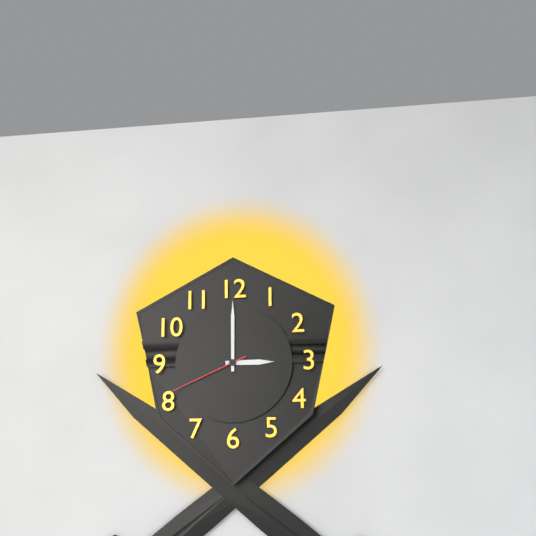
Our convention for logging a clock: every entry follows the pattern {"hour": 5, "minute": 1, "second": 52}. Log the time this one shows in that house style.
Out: {"hour": 3, "minute": 0, "second": 41}
